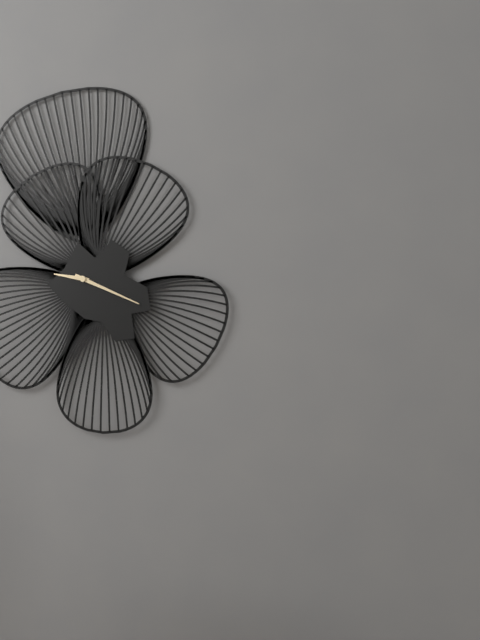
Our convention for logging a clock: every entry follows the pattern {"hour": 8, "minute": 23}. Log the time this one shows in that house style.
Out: {"hour": 9, "minute": 19}
